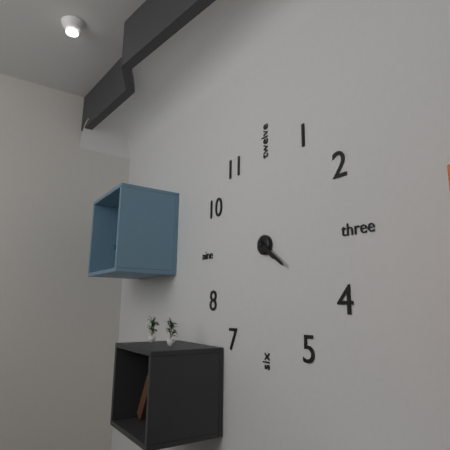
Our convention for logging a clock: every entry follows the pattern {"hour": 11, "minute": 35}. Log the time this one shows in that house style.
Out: {"hour": 4, "minute": 21}
